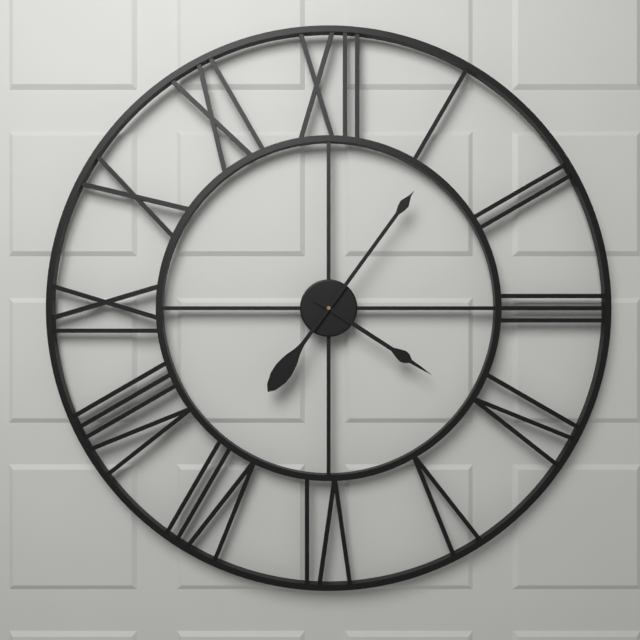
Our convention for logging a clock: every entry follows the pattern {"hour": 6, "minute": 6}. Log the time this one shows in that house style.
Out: {"hour": 4, "minute": 6}
